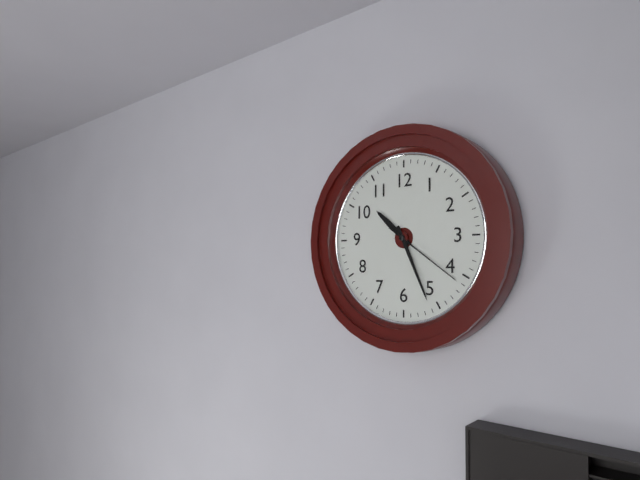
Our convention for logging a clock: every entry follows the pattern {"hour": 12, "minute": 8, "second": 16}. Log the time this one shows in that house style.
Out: {"hour": 10, "minute": 26, "second": 21}
